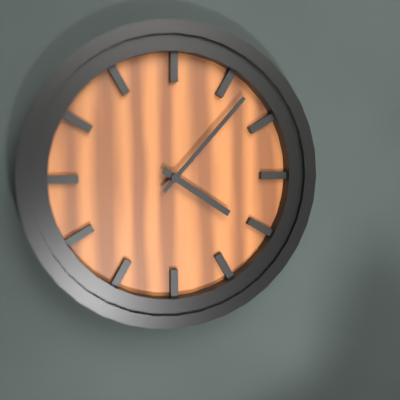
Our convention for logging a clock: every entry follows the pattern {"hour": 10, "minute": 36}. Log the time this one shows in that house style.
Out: {"hour": 4, "minute": 7}
